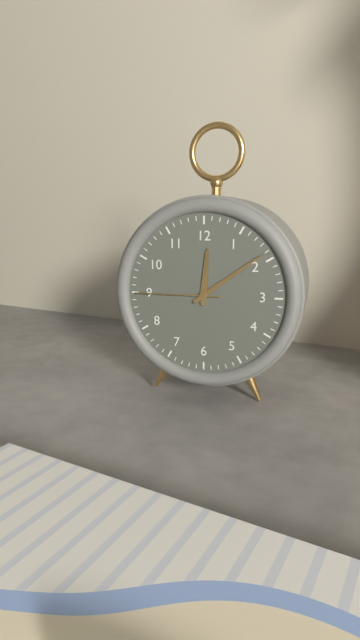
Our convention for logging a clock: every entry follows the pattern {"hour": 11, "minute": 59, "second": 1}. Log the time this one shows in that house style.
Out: {"hour": 12, "minute": 9, "second": 45}
